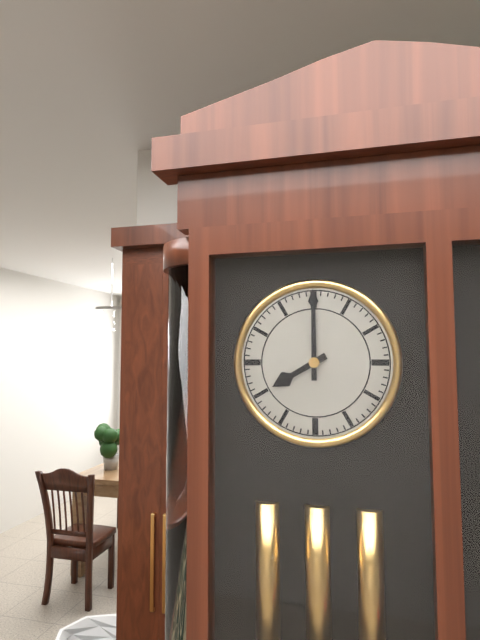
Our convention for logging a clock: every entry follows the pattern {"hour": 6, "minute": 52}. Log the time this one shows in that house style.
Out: {"hour": 8, "minute": 0}
